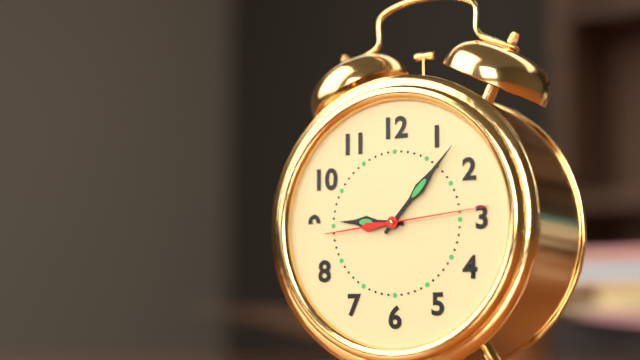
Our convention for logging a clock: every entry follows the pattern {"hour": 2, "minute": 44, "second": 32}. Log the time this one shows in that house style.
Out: {"hour": 9, "minute": 7, "second": 14}
